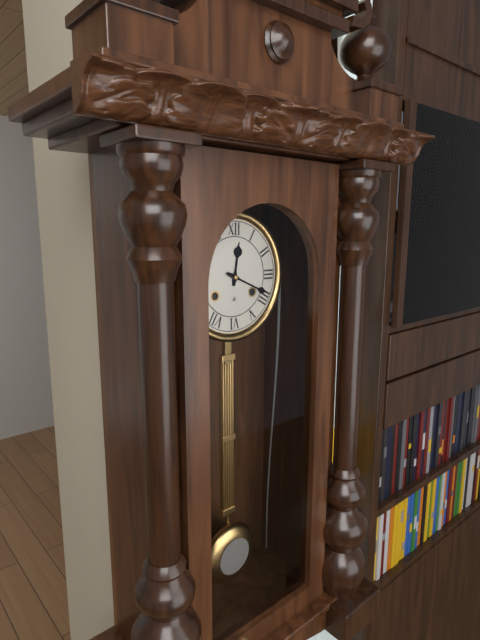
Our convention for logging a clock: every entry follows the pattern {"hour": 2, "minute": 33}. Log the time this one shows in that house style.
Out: {"hour": 12, "minute": 19}
